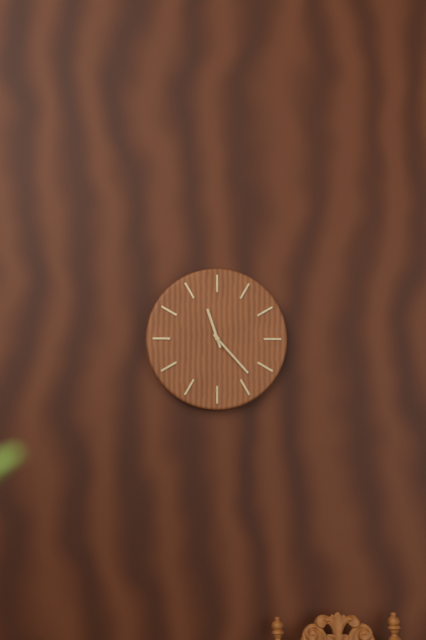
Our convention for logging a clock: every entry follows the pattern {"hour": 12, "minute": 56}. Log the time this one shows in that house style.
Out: {"hour": 11, "minute": 23}
